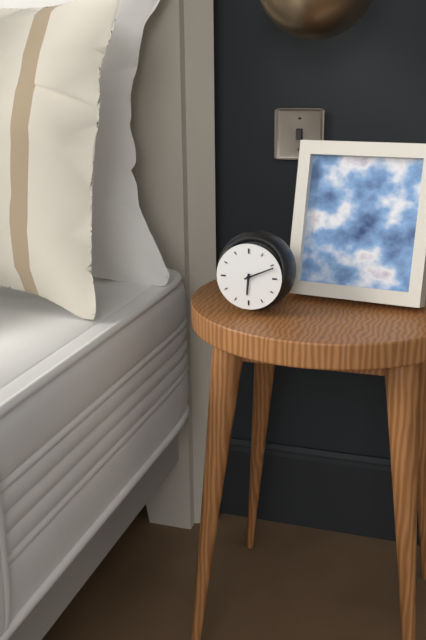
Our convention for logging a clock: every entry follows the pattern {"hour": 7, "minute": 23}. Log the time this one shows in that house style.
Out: {"hour": 6, "minute": 11}
